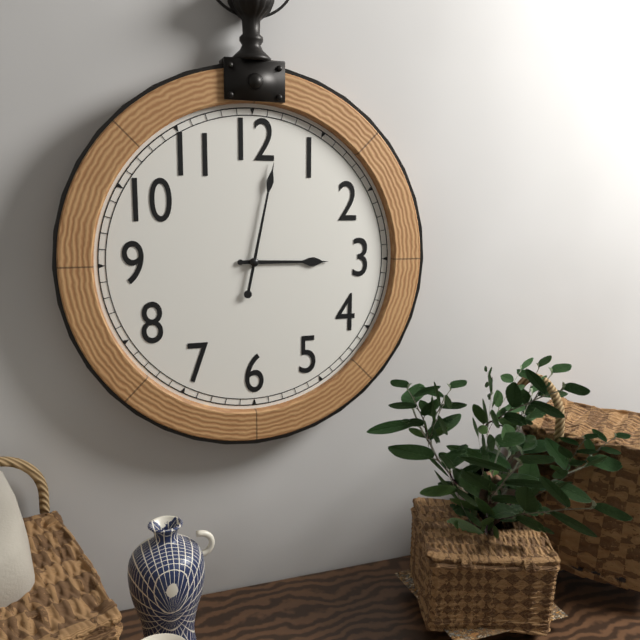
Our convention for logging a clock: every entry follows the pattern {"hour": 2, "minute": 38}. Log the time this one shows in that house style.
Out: {"hour": 3, "minute": 2}
